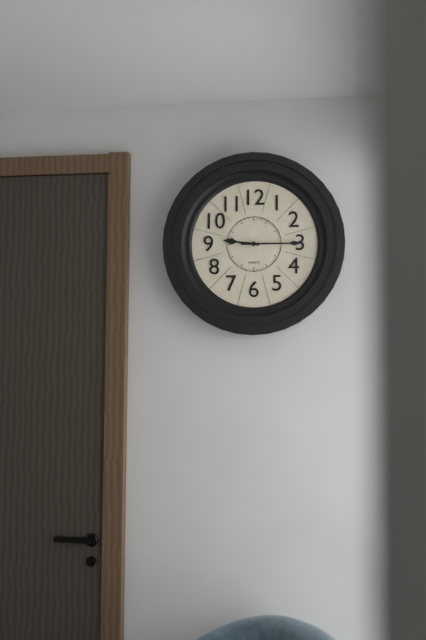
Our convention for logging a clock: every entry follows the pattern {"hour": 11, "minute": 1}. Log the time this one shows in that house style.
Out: {"hour": 9, "minute": 15}
